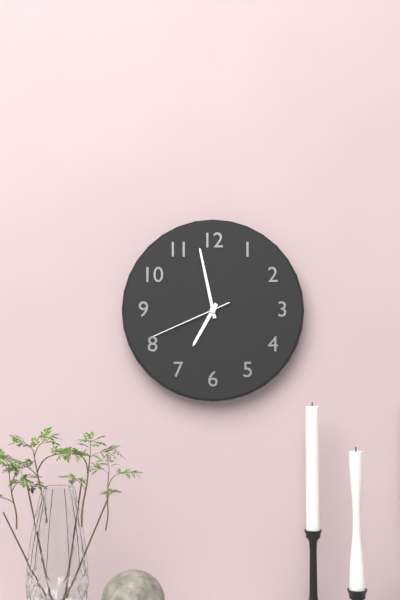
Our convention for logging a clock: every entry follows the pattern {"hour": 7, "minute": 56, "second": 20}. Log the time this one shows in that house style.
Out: {"hour": 6, "minute": 58, "second": 41}
